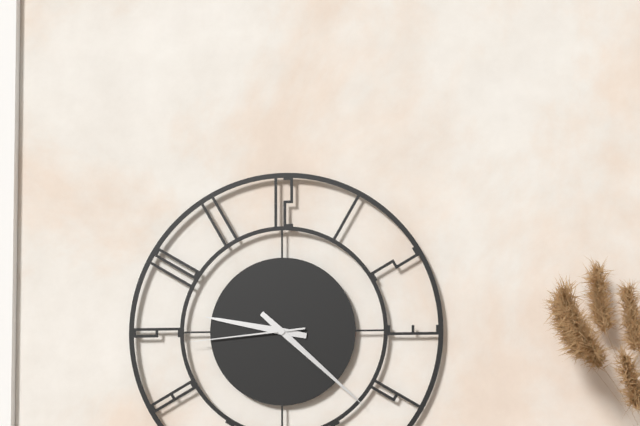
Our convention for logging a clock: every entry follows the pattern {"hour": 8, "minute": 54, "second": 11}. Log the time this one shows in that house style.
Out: {"hour": 9, "minute": 22, "second": 44}
